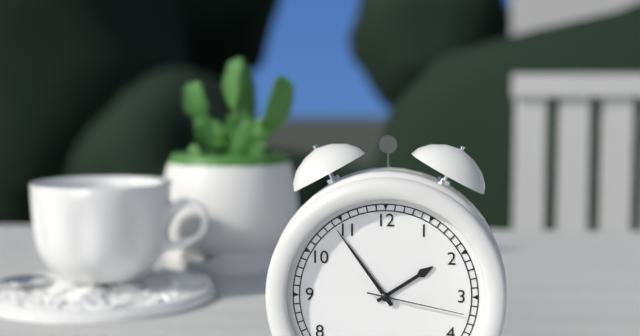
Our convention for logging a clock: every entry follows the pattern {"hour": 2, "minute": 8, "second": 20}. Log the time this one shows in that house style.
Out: {"hour": 1, "minute": 54, "second": 17}
